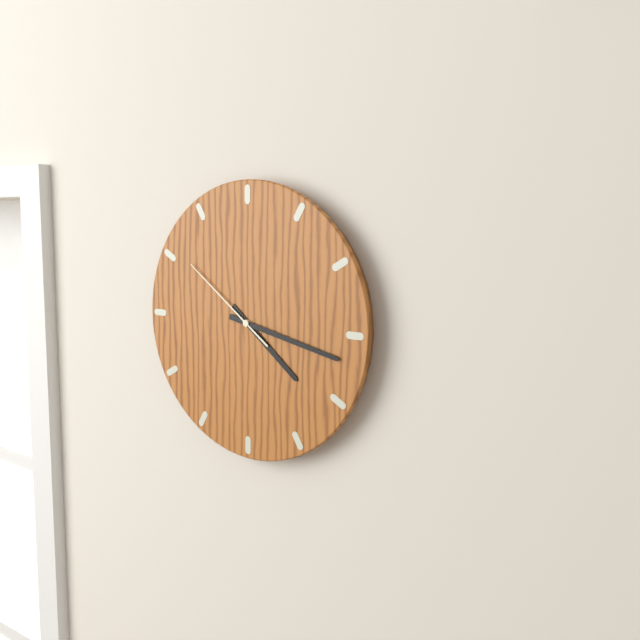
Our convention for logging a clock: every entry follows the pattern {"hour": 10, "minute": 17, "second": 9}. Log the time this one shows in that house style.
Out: {"hour": 4, "minute": 17, "second": 51}
